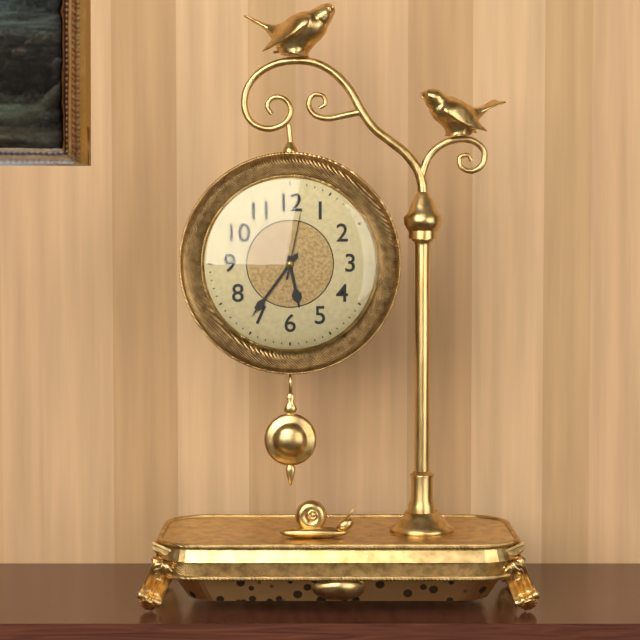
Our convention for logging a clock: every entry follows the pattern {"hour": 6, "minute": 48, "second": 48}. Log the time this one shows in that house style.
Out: {"hour": 5, "minute": 36, "second": 2}
